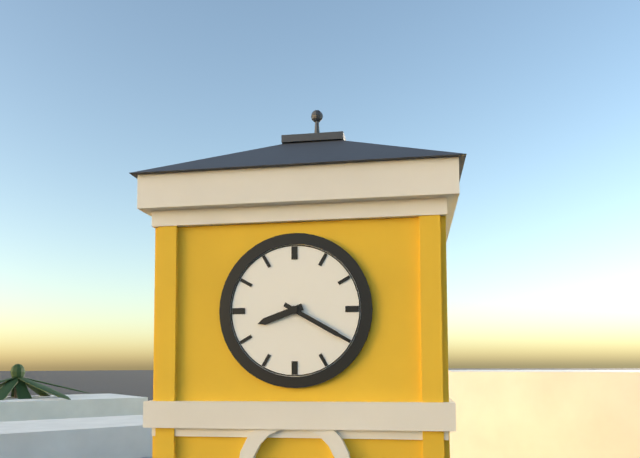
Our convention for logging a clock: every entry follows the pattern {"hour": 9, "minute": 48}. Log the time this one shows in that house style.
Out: {"hour": 8, "minute": 20}
